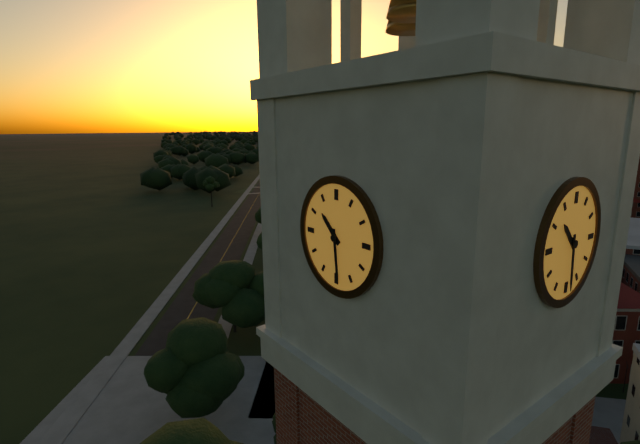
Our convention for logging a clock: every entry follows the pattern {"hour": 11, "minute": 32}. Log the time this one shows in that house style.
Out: {"hour": 10, "minute": 29}
